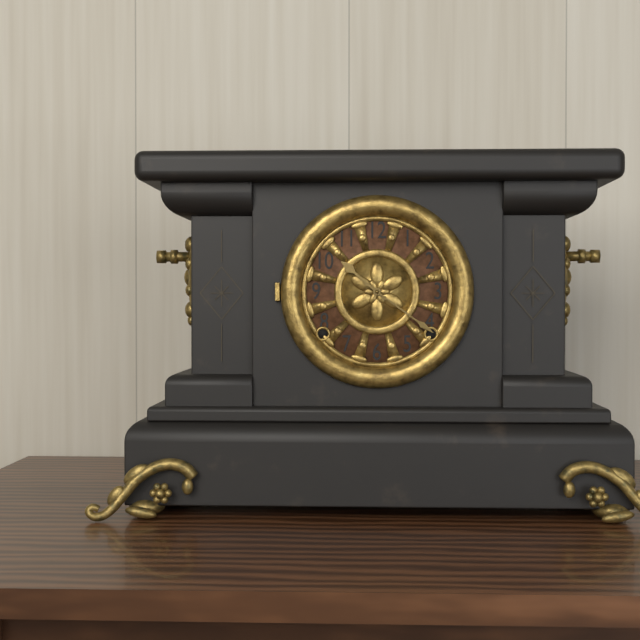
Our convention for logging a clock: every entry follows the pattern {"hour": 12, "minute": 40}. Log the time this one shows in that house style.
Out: {"hour": 10, "minute": 21}
